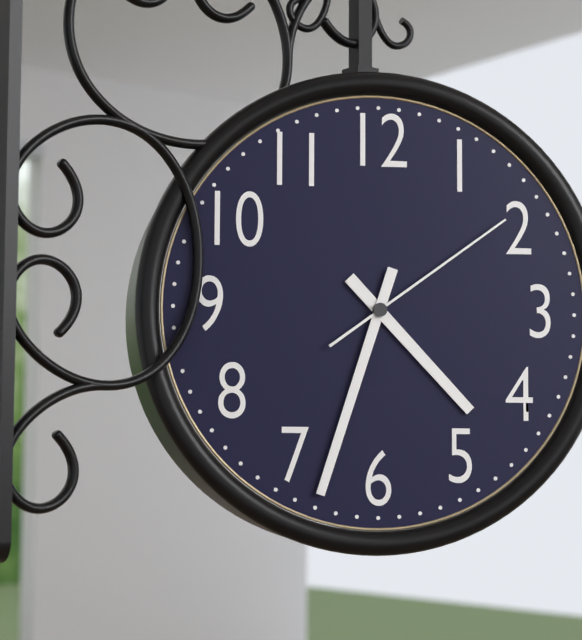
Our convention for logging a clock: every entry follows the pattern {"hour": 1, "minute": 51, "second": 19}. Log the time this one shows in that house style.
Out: {"hour": 4, "minute": 33, "second": 9}
